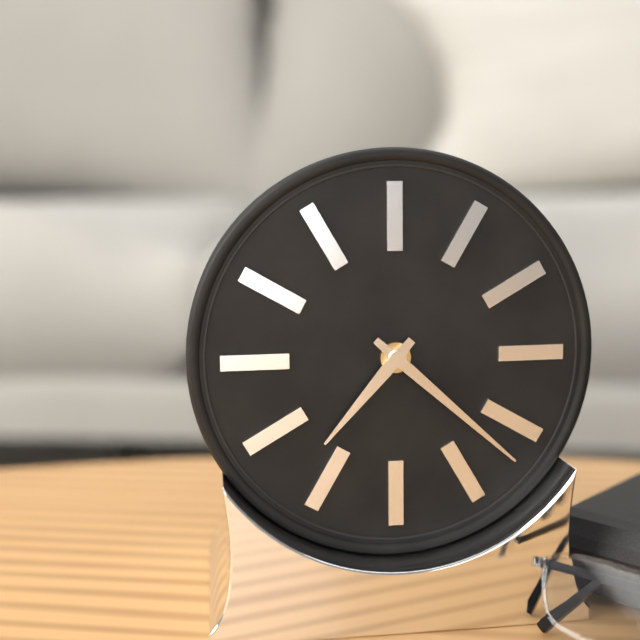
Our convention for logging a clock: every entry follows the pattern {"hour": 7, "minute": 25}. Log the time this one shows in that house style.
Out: {"hour": 7, "minute": 22}
